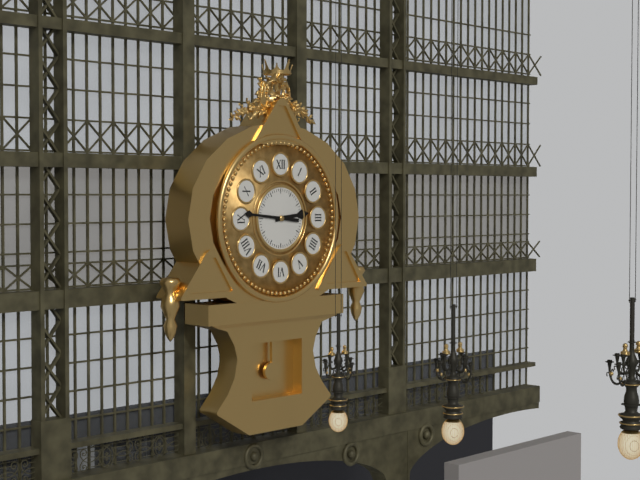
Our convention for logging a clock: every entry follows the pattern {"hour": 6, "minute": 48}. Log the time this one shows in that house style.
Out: {"hour": 2, "minute": 46}
